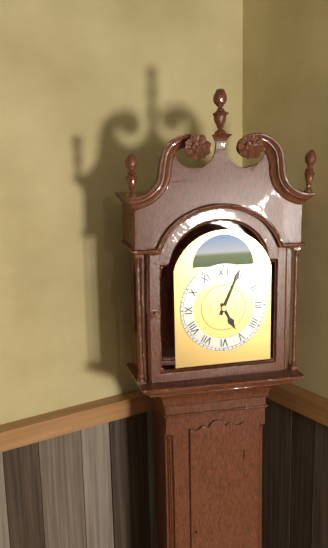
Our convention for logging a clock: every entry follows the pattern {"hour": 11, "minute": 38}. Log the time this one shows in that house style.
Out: {"hour": 5, "minute": 4}
